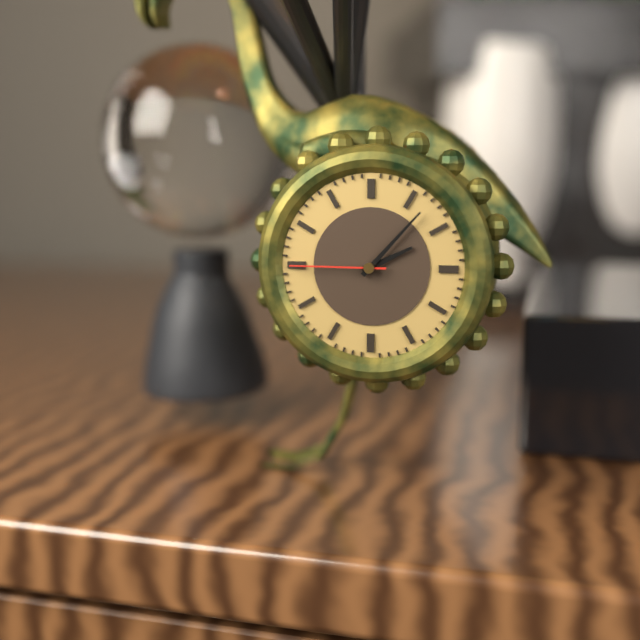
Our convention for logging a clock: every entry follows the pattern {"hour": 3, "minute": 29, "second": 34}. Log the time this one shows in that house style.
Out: {"hour": 2, "minute": 7, "second": 45}
